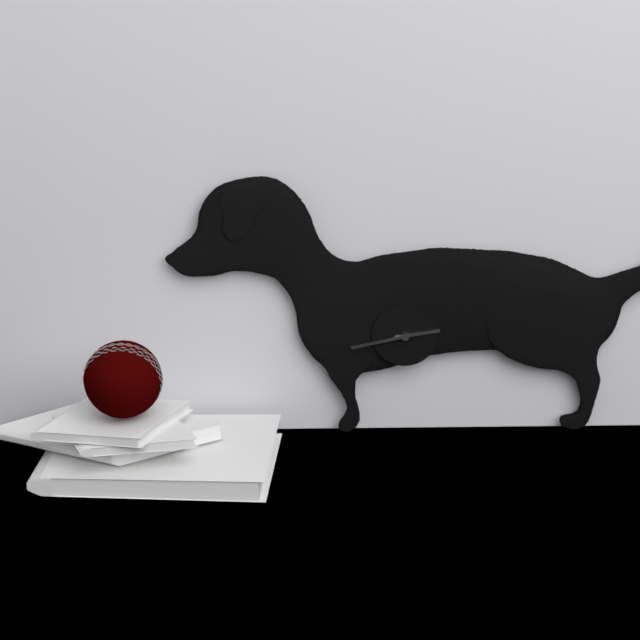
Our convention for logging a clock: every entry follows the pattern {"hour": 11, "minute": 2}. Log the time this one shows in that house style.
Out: {"hour": 2, "minute": 43}
